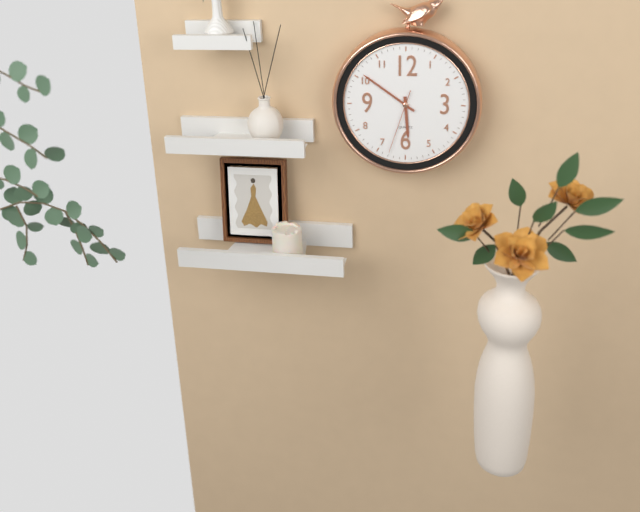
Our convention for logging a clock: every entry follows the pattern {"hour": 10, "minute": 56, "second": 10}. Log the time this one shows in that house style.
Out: {"hour": 5, "minute": 51, "second": 33}
